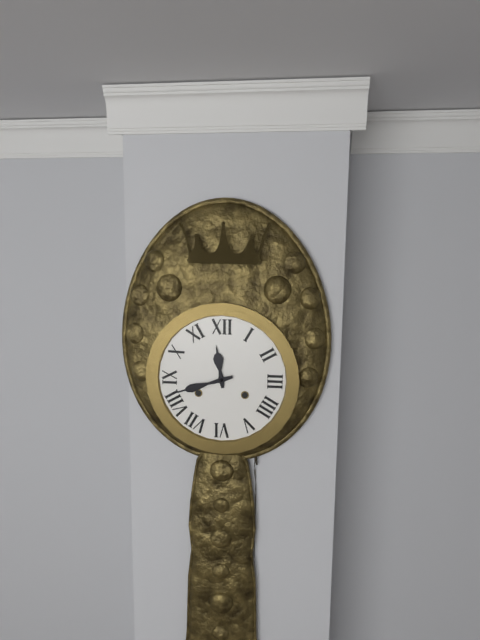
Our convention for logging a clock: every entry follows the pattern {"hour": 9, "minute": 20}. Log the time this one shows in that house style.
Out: {"hour": 11, "minute": 42}
